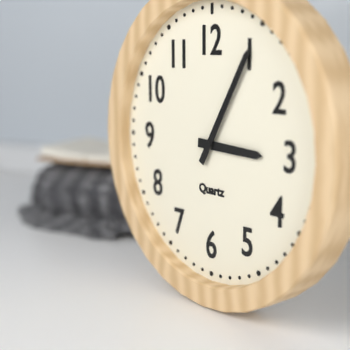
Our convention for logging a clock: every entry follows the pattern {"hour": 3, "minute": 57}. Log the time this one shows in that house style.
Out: {"hour": 3, "minute": 5}
